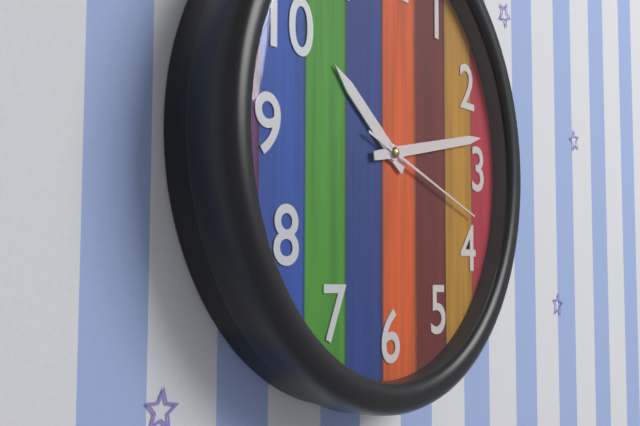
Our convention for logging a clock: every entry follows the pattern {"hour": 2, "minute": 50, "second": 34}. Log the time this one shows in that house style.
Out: {"hour": 10, "minute": 13, "second": 18}
